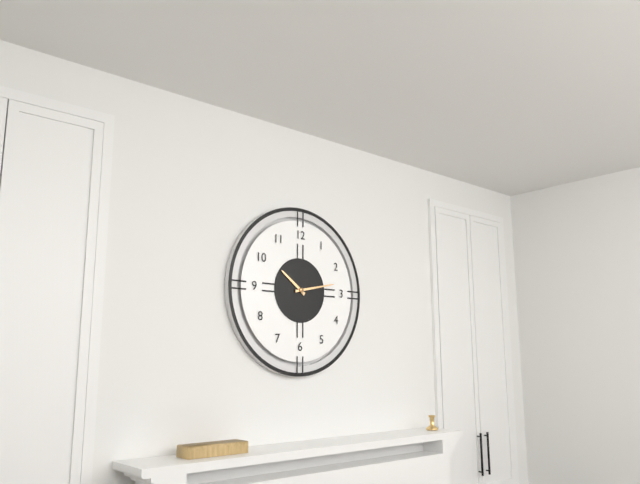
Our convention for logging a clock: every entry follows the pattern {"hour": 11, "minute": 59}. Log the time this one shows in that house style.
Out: {"hour": 10, "minute": 13}
